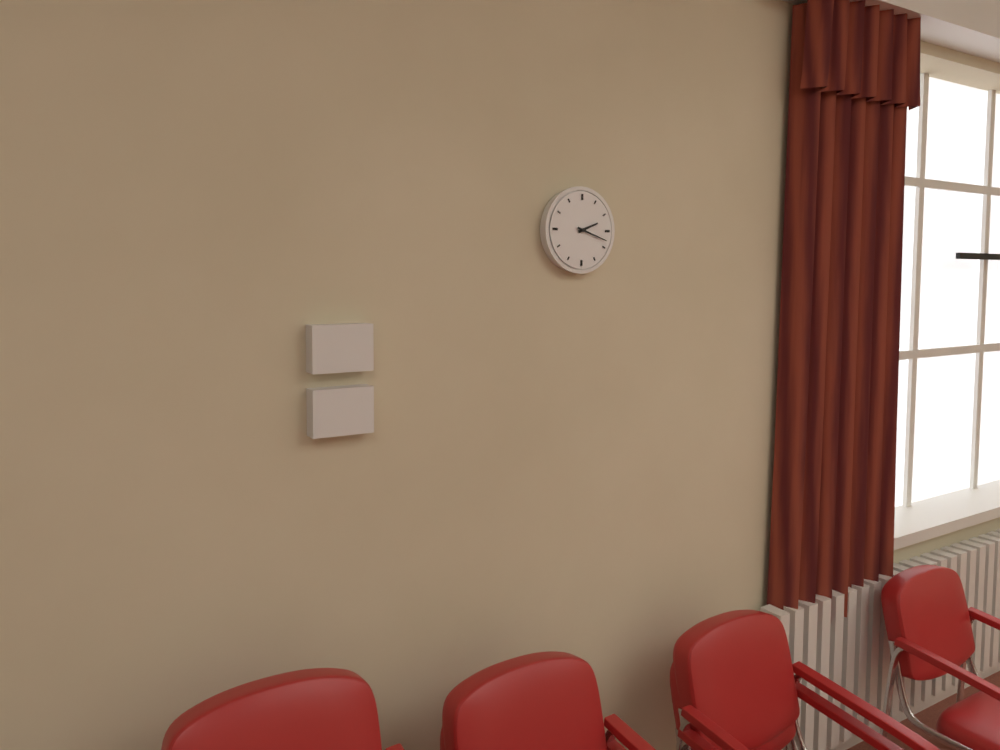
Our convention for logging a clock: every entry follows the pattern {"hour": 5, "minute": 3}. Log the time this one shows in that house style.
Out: {"hour": 2, "minute": 18}
